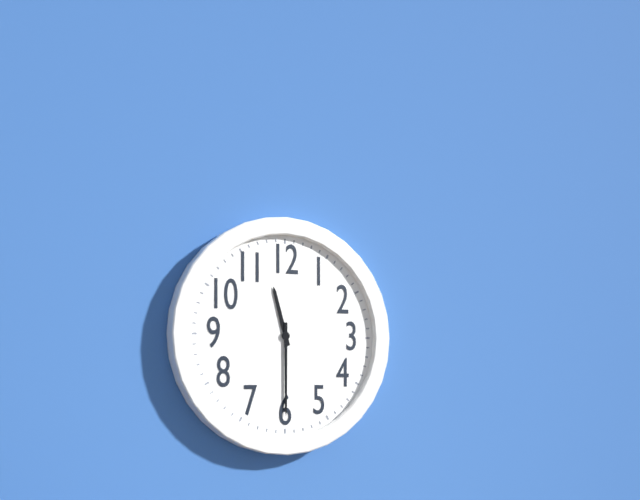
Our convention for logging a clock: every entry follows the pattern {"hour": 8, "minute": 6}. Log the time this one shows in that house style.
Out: {"hour": 11, "minute": 30}
